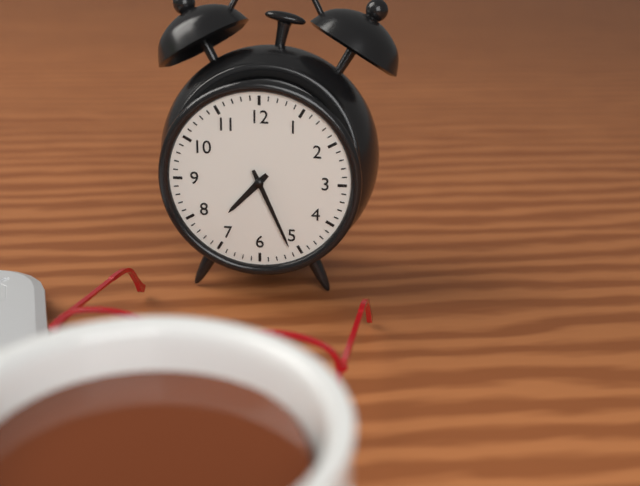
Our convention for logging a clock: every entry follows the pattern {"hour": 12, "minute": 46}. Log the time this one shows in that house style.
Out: {"hour": 7, "minute": 26}
